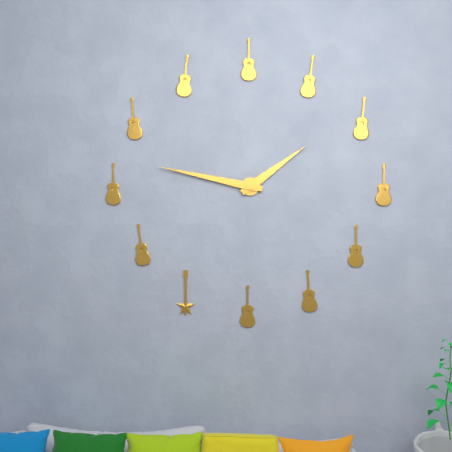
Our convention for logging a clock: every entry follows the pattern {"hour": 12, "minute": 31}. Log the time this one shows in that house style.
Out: {"hour": 1, "minute": 47}
